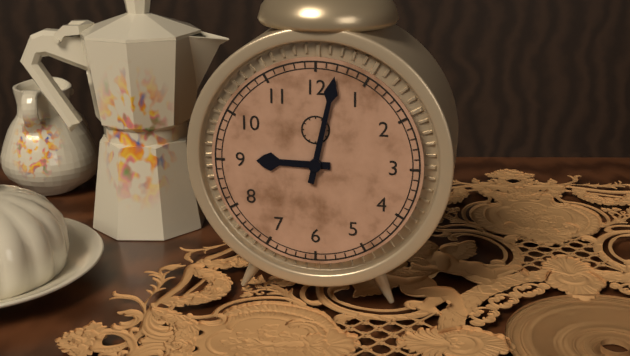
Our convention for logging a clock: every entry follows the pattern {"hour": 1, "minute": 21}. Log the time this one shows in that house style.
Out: {"hour": 9, "minute": 2}
